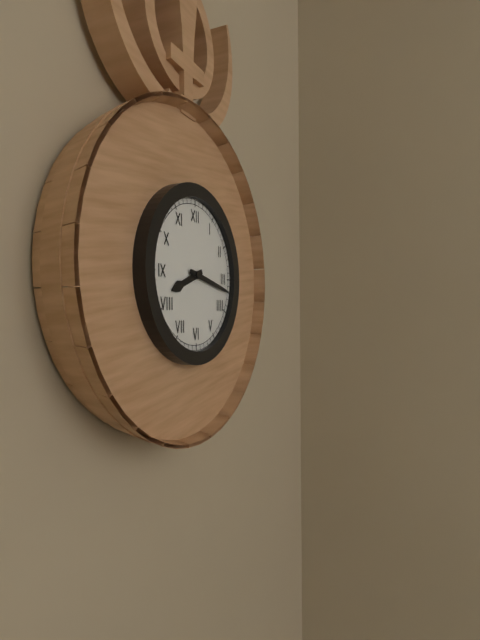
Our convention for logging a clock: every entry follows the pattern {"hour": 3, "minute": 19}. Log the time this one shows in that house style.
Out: {"hour": 8, "minute": 17}
